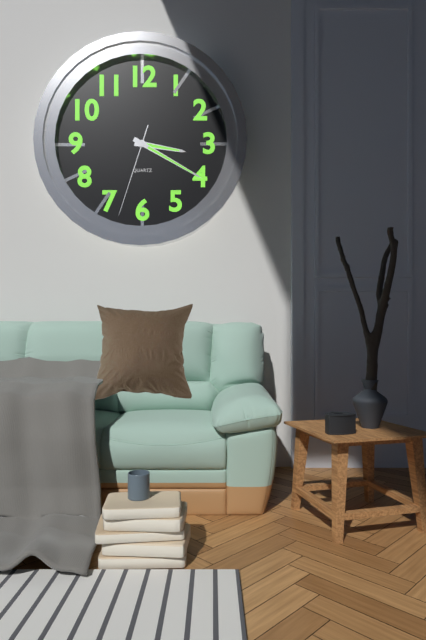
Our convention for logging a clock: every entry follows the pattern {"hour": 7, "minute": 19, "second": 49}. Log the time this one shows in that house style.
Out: {"hour": 3, "minute": 20, "second": 33}
